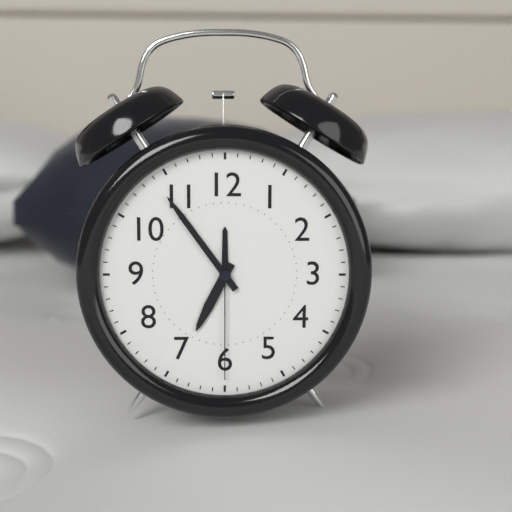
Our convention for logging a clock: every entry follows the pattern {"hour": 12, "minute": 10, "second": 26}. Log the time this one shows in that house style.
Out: {"hour": 6, "minute": 54, "second": 30}
